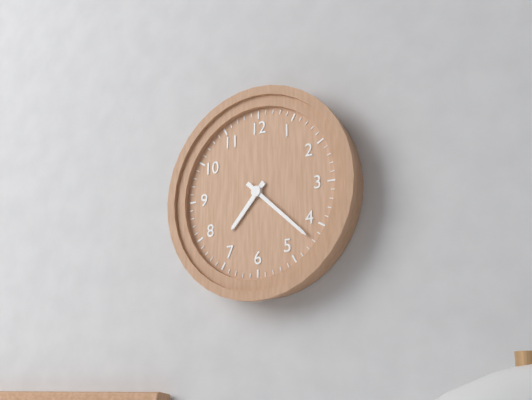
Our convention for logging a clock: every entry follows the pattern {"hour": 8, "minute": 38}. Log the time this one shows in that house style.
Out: {"hour": 7, "minute": 22}
